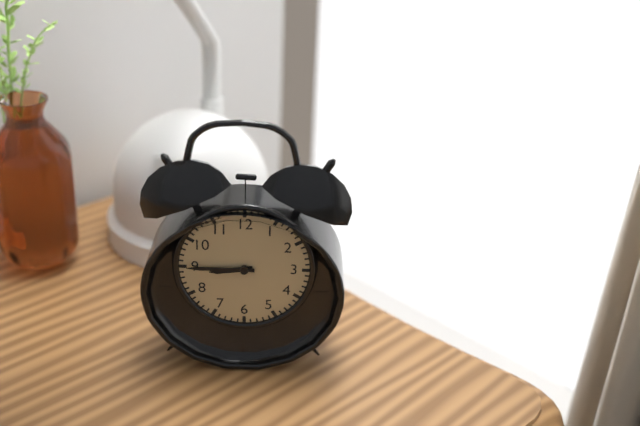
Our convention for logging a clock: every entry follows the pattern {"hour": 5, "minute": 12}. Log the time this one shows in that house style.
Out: {"hour": 8, "minute": 45}
